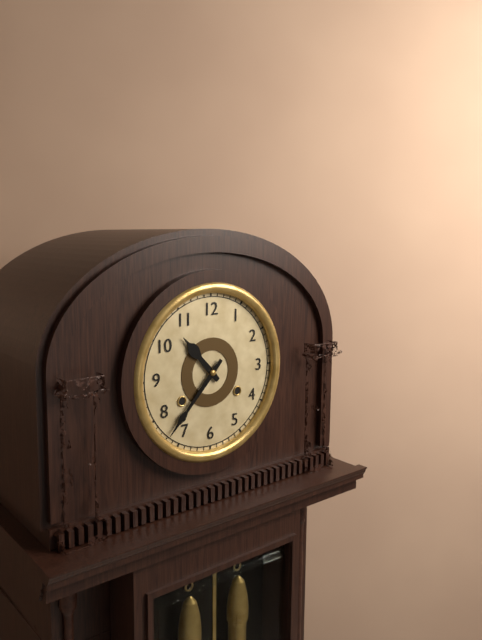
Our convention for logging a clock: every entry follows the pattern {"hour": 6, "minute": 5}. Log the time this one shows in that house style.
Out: {"hour": 10, "minute": 37}
